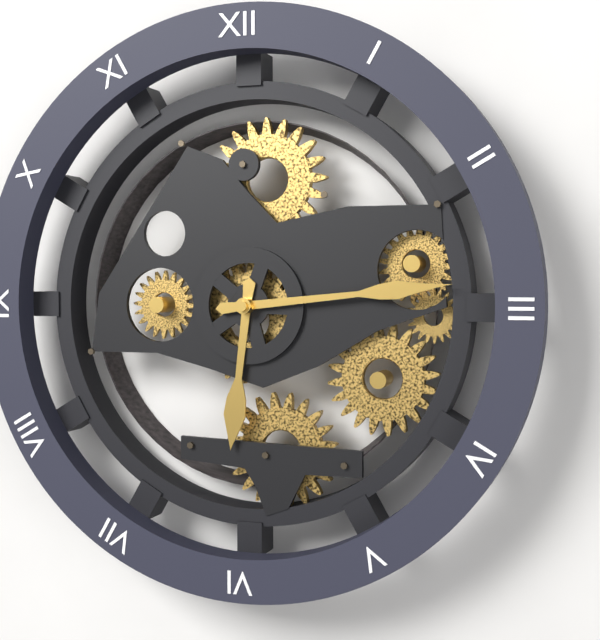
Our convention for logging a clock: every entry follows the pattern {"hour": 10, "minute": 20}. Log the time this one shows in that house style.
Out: {"hour": 6, "minute": 14}
